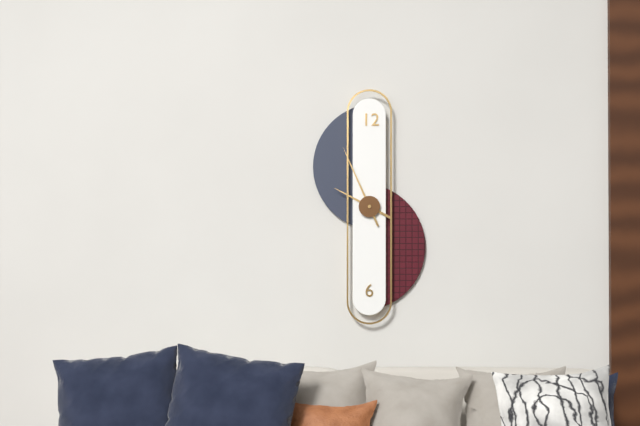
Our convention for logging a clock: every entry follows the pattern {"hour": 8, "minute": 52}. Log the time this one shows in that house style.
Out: {"hour": 9, "minute": 56}
